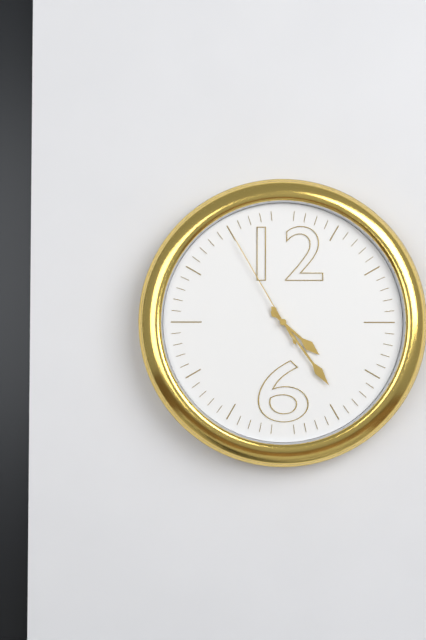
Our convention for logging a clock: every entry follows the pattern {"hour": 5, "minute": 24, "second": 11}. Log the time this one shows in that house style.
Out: {"hour": 4, "minute": 24, "second": 55}
